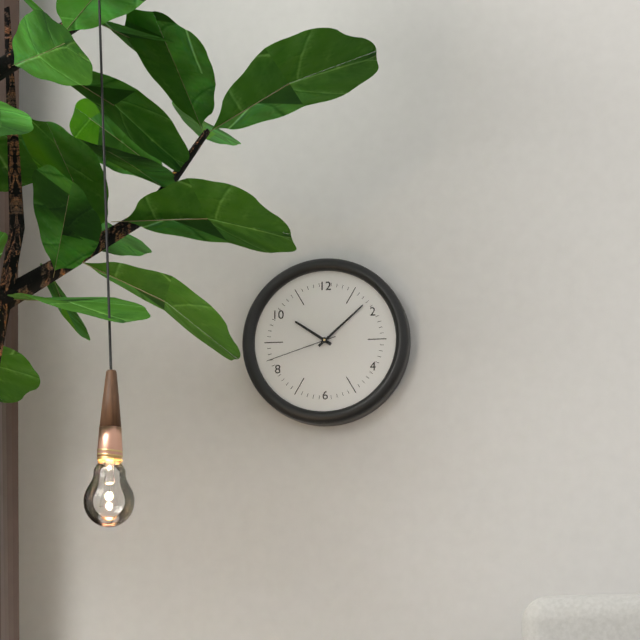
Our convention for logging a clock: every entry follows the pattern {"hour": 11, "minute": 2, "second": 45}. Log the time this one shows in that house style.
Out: {"hour": 10, "minute": 8, "second": 42}
